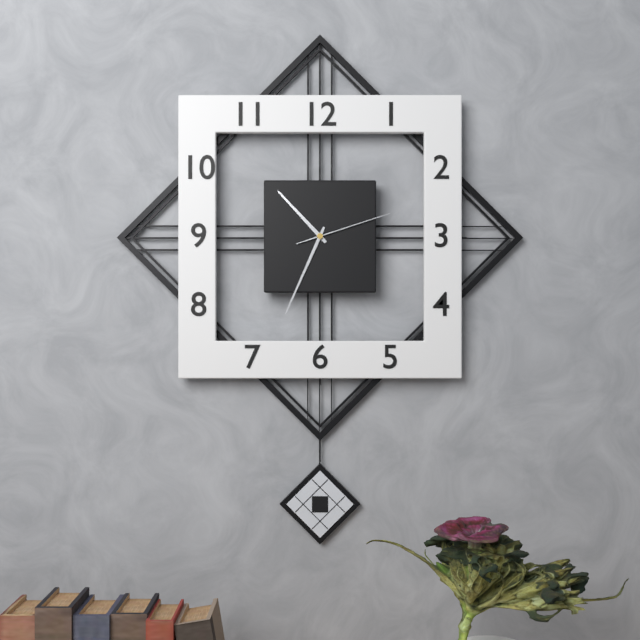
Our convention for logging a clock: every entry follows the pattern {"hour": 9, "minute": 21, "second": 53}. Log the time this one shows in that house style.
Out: {"hour": 10, "minute": 34, "second": 12}
